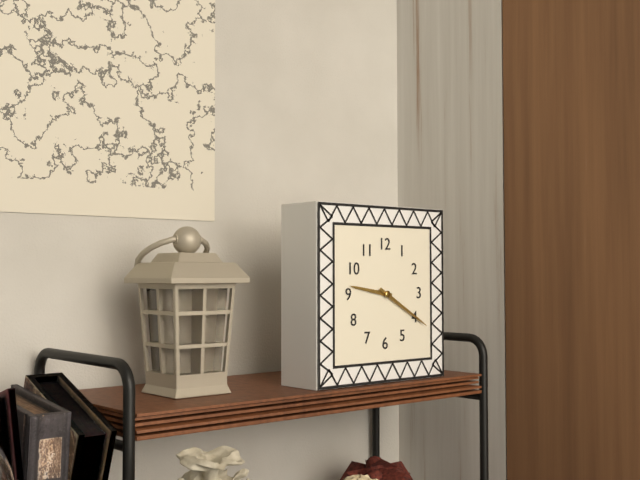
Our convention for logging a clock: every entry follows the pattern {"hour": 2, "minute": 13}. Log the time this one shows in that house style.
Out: {"hour": 9, "minute": 20}
